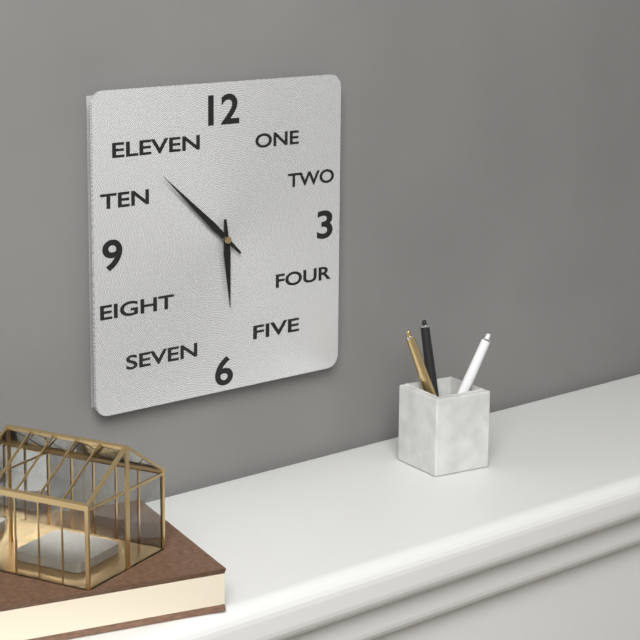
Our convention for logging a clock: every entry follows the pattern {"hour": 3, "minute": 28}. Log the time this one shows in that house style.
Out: {"hour": 5, "minute": 52}
